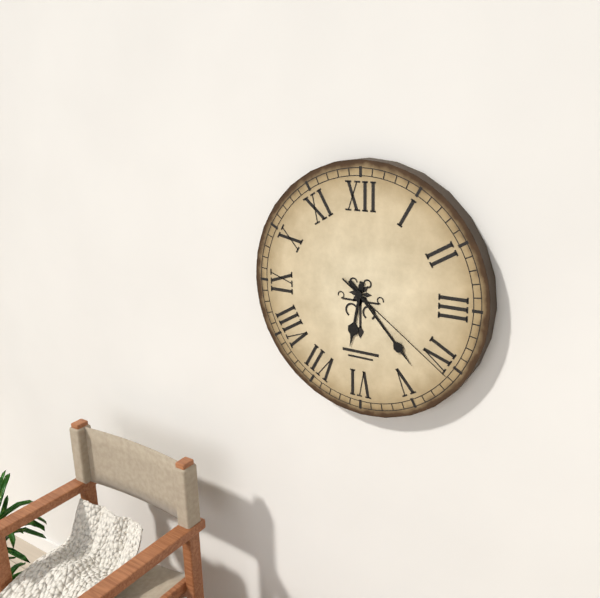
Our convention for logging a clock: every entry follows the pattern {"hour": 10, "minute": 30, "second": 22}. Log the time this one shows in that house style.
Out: {"hour": 6, "minute": 23, "second": 21}
